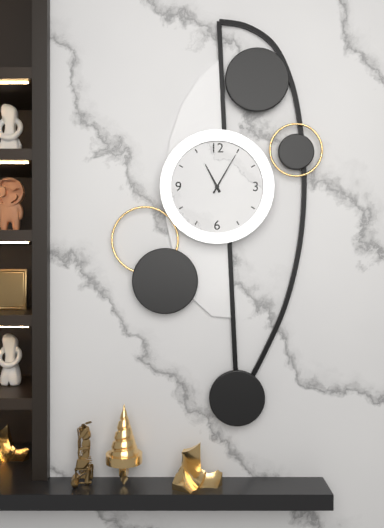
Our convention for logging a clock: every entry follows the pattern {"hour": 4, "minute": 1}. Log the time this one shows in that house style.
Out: {"hour": 11, "minute": 5}
